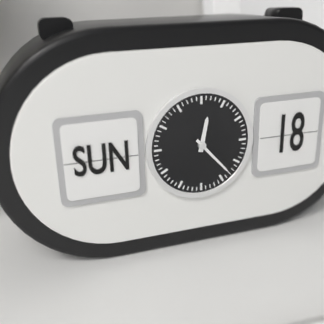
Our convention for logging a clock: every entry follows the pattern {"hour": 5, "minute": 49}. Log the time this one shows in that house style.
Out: {"hour": 12, "minute": 23}
